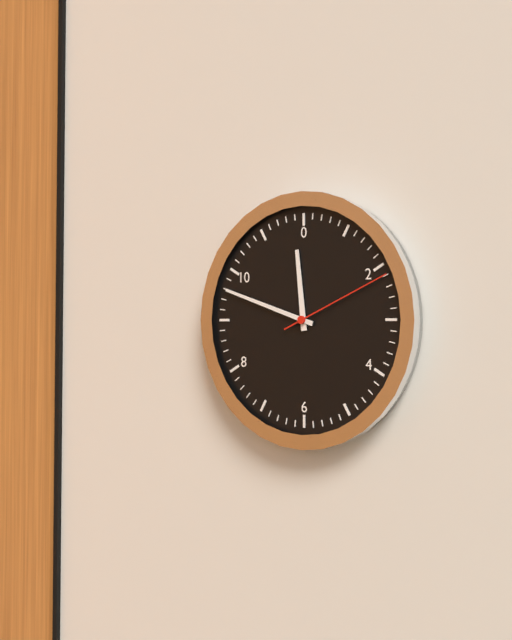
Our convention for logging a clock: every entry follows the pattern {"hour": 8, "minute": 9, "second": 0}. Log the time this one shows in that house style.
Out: {"hour": 11, "minute": 48, "second": 11}
